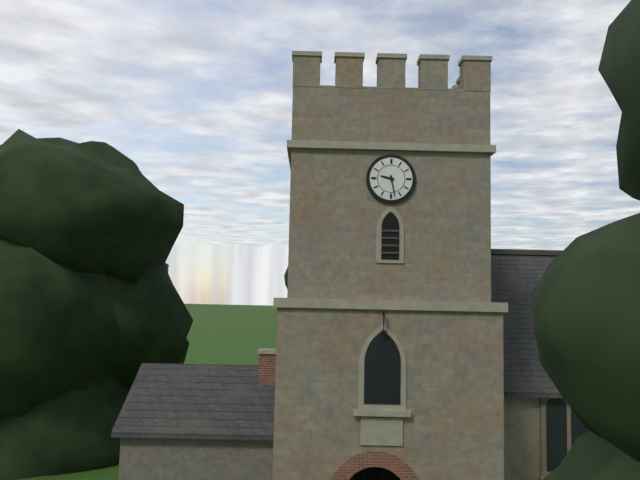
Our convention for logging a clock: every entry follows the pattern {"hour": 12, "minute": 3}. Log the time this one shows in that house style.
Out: {"hour": 9, "minute": 28}
